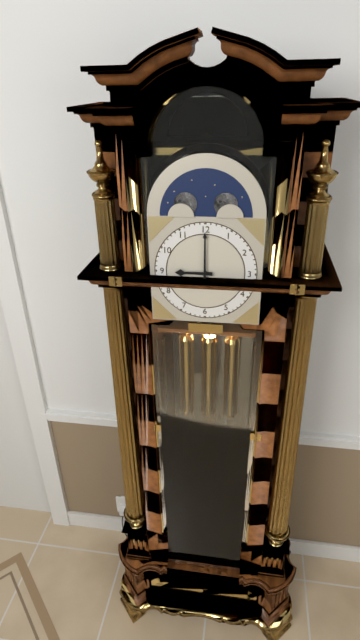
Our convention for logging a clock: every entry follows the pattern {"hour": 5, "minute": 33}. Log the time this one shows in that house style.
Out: {"hour": 9, "minute": 0}
